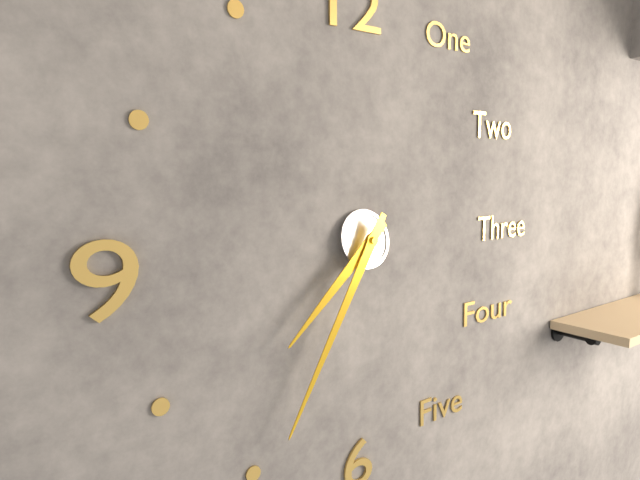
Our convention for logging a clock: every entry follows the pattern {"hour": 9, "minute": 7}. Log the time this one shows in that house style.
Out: {"hour": 7, "minute": 35}
